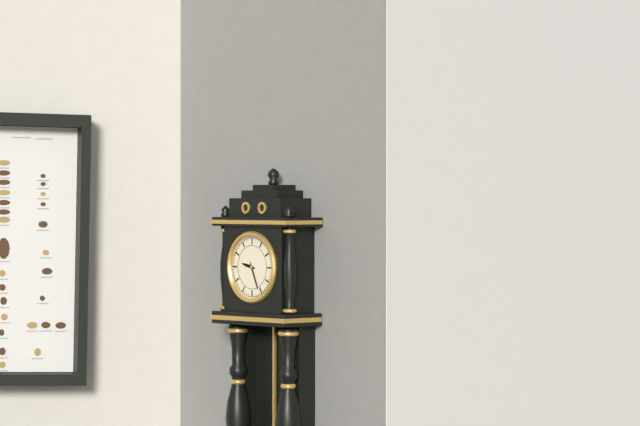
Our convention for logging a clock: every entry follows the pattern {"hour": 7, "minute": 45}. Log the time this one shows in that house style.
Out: {"hour": 9, "minute": 26}
